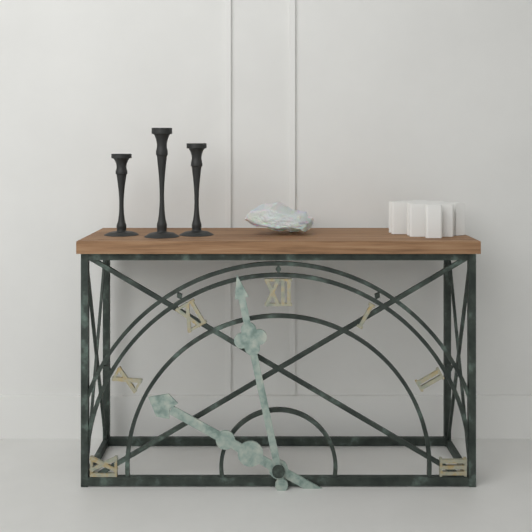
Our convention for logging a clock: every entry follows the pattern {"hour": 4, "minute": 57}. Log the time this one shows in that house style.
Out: {"hour": 9, "minute": 58}
